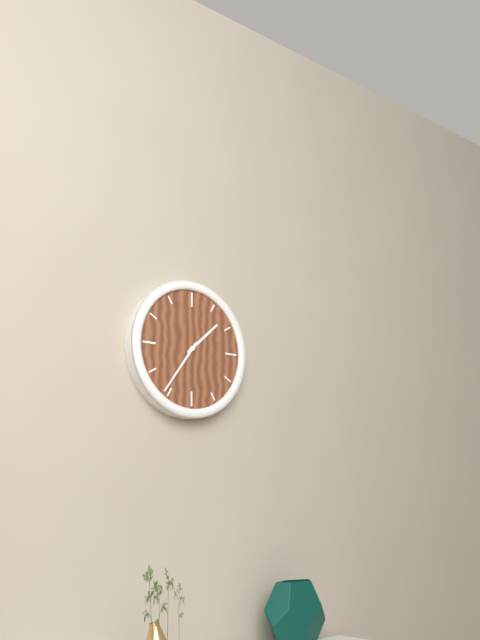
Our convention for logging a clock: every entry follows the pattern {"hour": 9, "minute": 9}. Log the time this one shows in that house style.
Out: {"hour": 1, "minute": 36}
